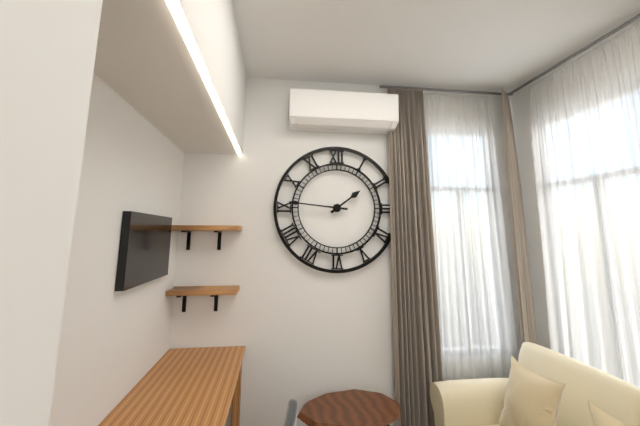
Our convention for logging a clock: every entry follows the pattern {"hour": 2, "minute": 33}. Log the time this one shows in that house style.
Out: {"hour": 1, "minute": 46}
